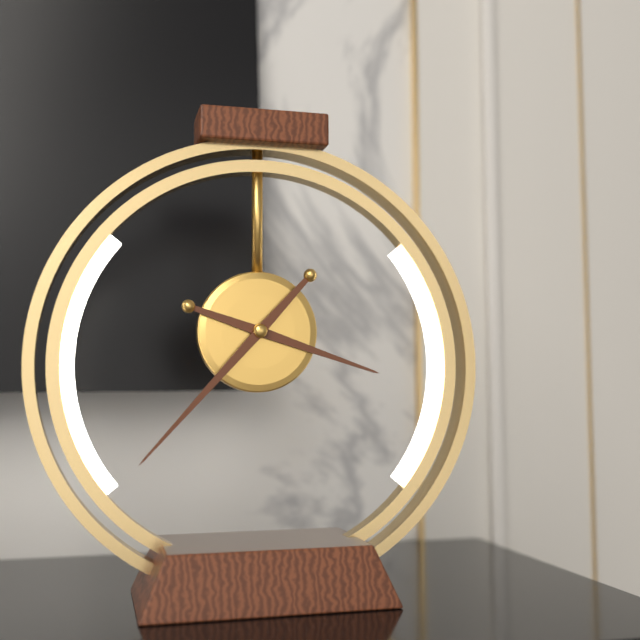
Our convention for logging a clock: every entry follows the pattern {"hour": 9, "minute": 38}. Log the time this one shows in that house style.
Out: {"hour": 3, "minute": 37}
